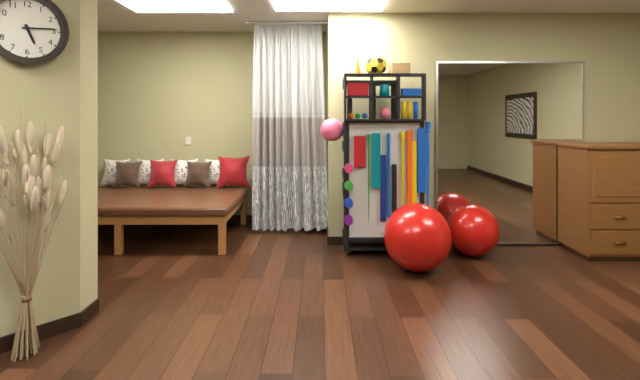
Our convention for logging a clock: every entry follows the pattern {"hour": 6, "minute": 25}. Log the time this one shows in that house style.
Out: {"hour": 5, "minute": 14}
